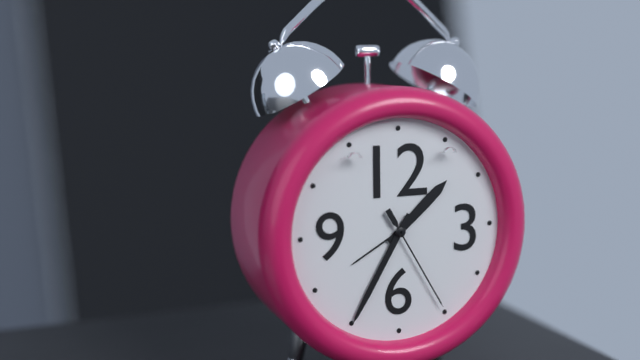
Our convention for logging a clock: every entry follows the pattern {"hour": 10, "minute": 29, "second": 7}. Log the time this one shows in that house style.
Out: {"hour": 1, "minute": 35, "second": 25}
